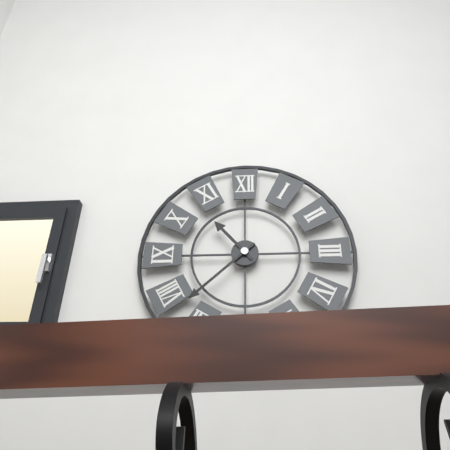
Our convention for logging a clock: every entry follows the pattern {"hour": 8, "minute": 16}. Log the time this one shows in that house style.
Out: {"hour": 10, "minute": 38}
